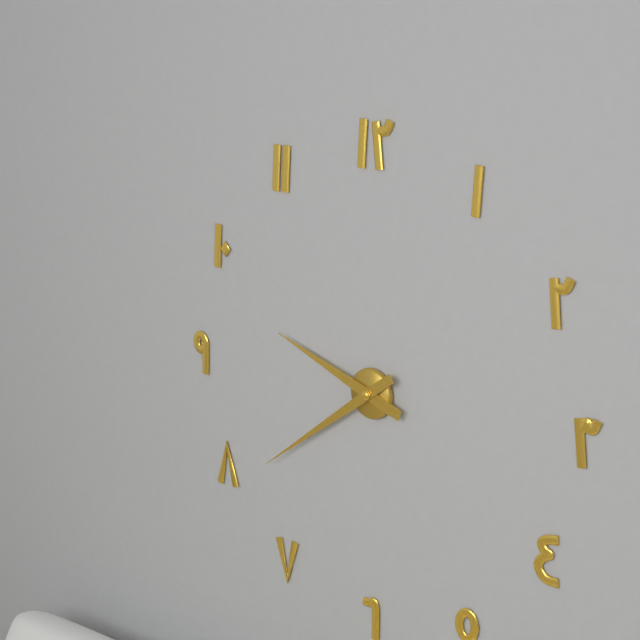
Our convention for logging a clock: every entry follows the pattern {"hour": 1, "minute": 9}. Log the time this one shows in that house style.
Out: {"hour": 9, "minute": 39}
